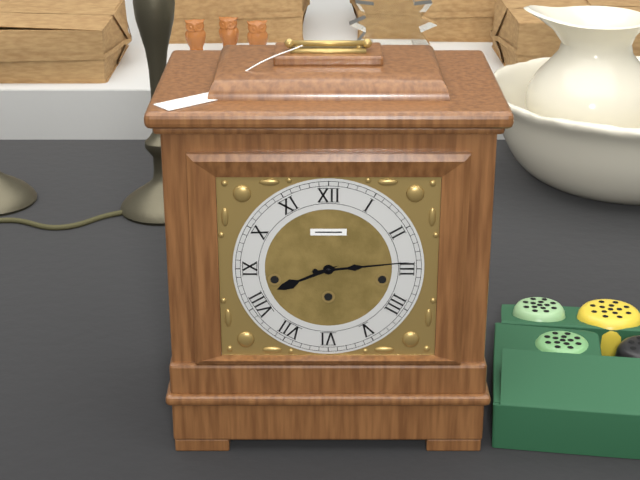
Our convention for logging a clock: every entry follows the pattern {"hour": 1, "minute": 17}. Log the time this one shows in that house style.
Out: {"hour": 8, "minute": 14}
